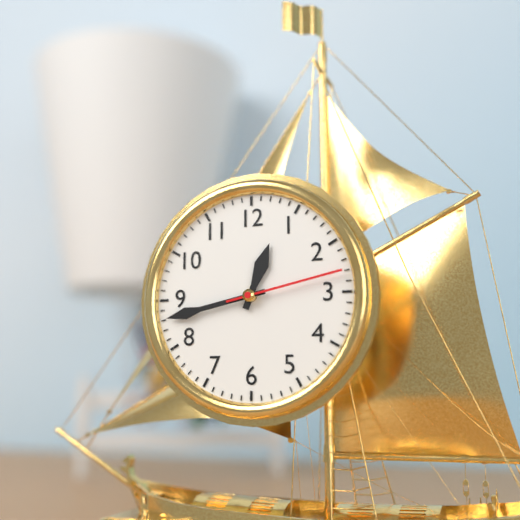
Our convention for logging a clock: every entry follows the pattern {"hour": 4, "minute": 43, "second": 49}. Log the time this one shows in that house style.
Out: {"hour": 12, "minute": 43, "second": 13}
